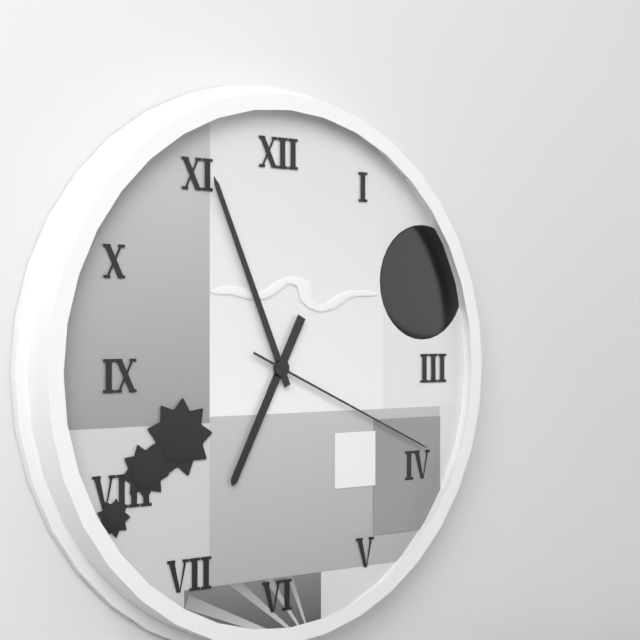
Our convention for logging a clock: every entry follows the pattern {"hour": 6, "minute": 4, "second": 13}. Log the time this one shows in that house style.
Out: {"hour": 6, "minute": 56, "second": 19}
